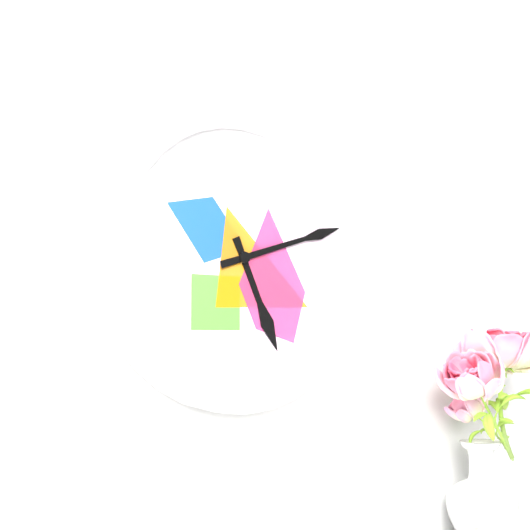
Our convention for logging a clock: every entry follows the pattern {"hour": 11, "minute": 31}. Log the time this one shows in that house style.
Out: {"hour": 5, "minute": 12}
